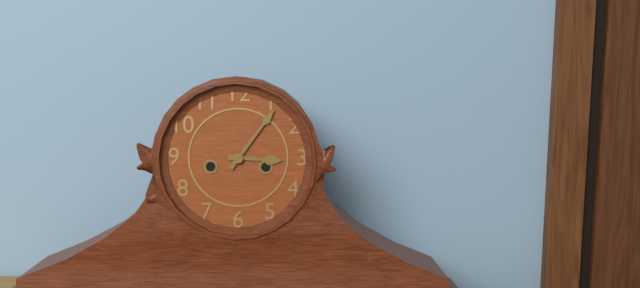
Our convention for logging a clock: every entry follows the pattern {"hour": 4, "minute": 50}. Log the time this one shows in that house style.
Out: {"hour": 3, "minute": 6}
